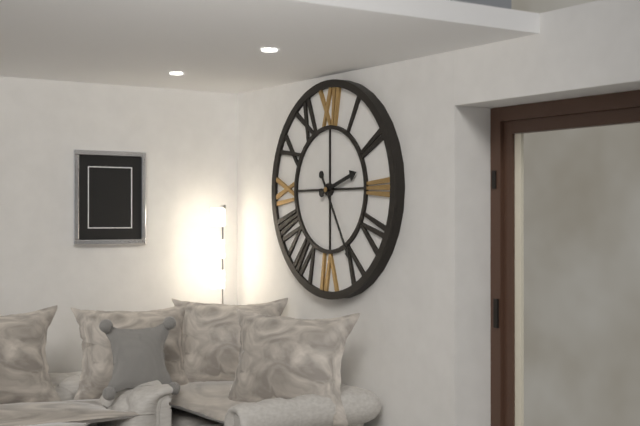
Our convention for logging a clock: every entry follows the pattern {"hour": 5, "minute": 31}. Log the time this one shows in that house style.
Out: {"hour": 2, "minute": 25}
